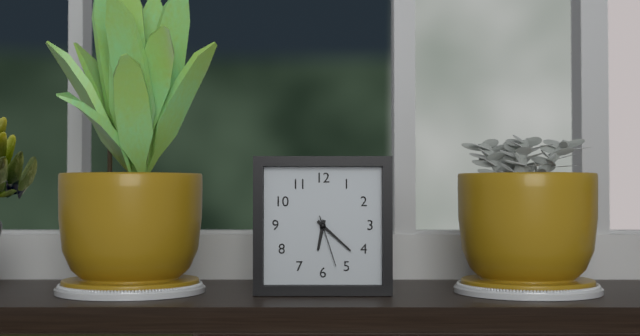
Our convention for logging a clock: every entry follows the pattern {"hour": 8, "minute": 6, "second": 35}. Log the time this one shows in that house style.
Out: {"hour": 6, "minute": 22, "second": 27}
